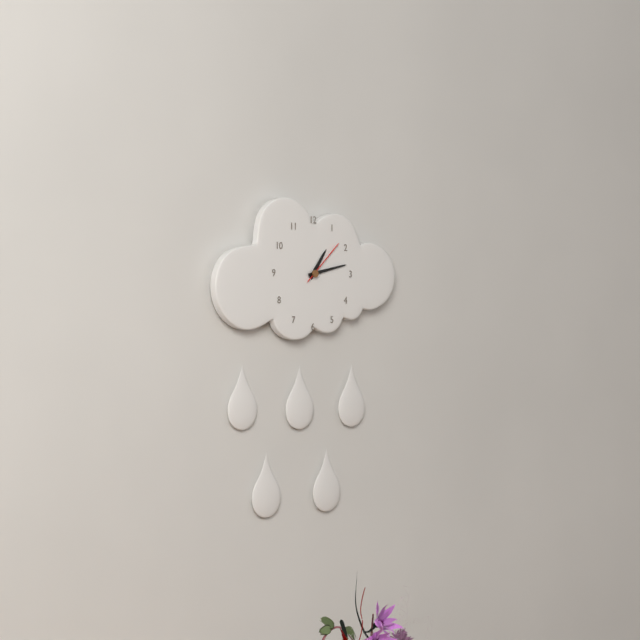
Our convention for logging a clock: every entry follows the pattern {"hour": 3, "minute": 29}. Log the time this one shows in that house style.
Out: {"hour": 1, "minute": 13}
